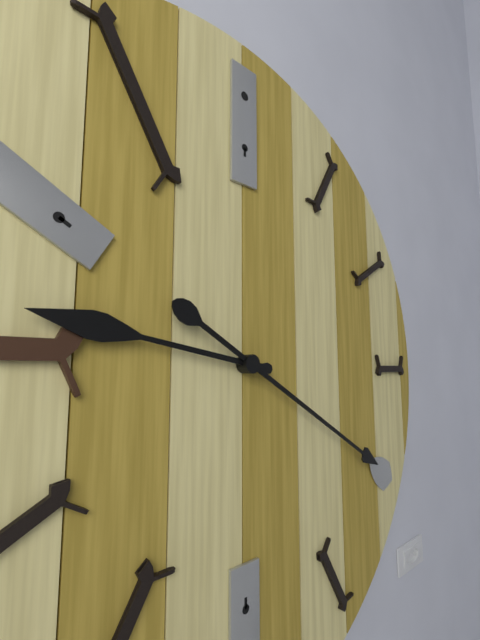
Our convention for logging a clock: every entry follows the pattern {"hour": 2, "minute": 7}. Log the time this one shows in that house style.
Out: {"hour": 9, "minute": 20}
